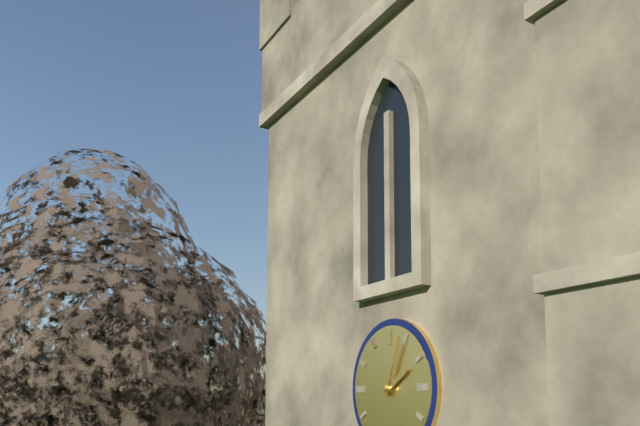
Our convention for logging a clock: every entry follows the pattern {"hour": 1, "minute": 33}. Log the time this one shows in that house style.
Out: {"hour": 2, "minute": 4}
